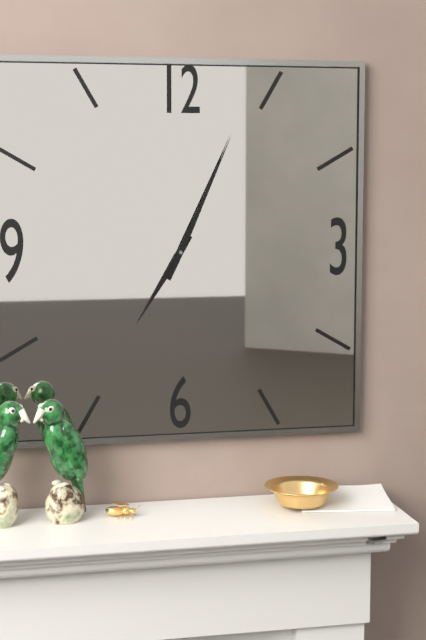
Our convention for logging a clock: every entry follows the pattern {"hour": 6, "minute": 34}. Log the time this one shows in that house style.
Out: {"hour": 7, "minute": 4}
